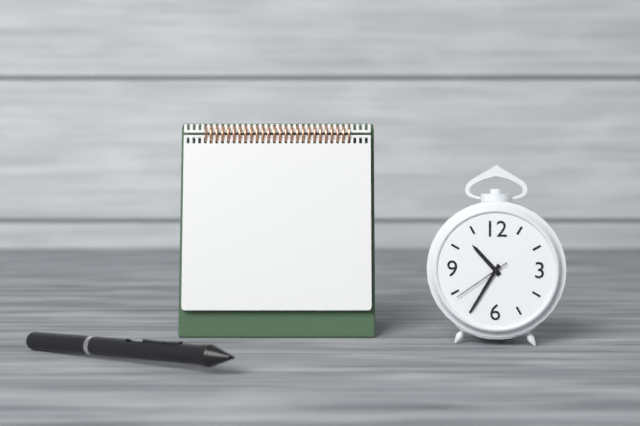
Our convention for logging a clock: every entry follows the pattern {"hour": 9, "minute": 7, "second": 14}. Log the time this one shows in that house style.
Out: {"hour": 10, "minute": 35, "second": 39}
